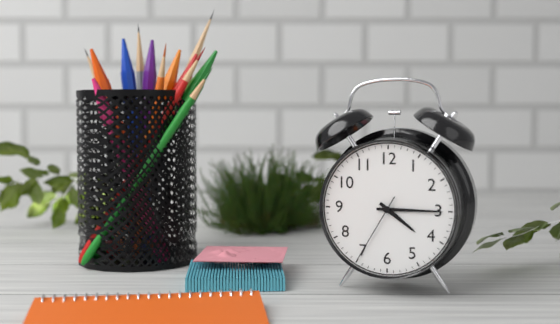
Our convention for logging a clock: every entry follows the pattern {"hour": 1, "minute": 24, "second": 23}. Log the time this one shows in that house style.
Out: {"hour": 4, "minute": 15, "second": 35}
